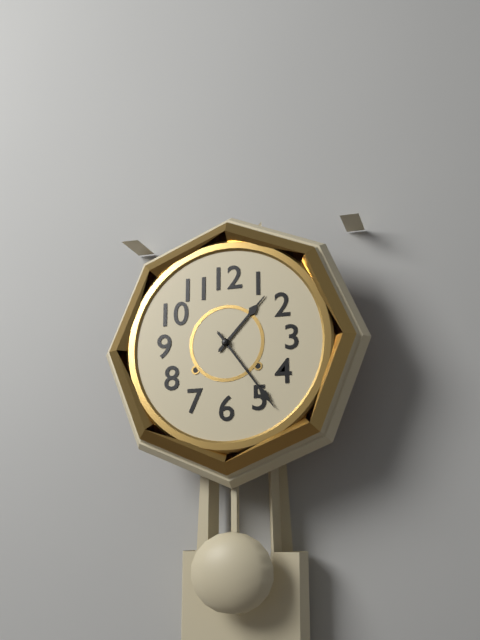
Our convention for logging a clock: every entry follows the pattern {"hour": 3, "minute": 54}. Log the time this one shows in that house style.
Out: {"hour": 1, "minute": 24}
